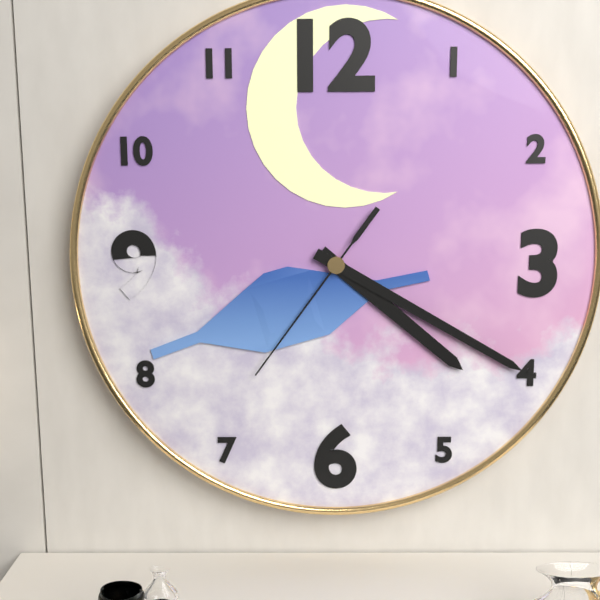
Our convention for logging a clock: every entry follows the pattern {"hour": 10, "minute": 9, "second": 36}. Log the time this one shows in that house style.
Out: {"hour": 4, "minute": 20, "second": 36}
